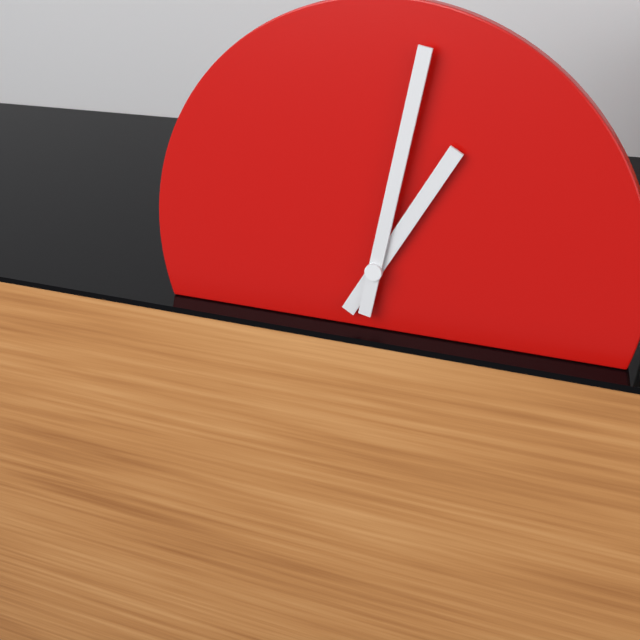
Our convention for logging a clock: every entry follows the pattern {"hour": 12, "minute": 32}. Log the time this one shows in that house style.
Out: {"hour": 1, "minute": 2}
